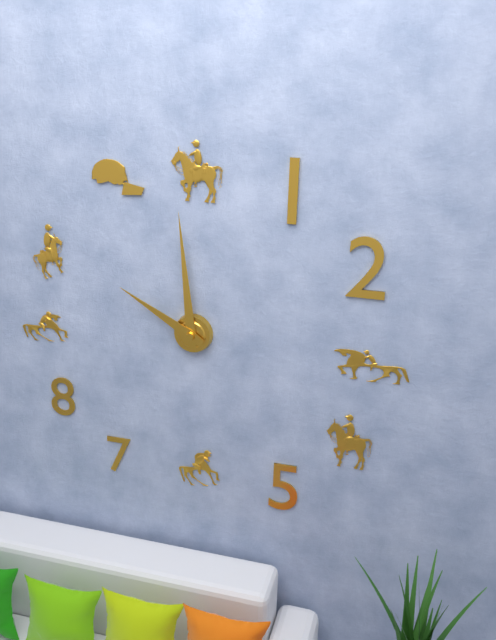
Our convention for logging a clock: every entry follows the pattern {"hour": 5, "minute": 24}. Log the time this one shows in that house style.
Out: {"hour": 9, "minute": 59}
